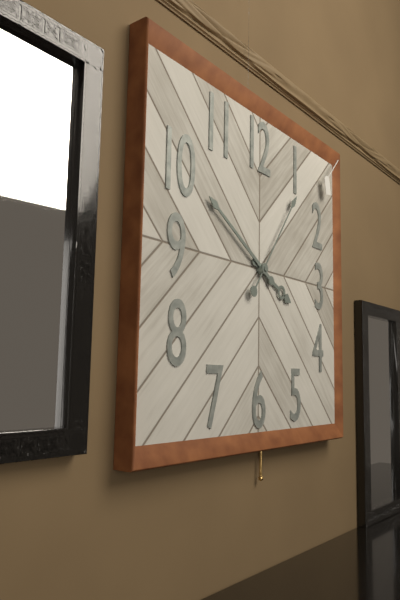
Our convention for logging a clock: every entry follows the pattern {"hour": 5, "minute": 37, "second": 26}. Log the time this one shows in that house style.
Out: {"hour": 3, "minute": 50, "second": 6}
